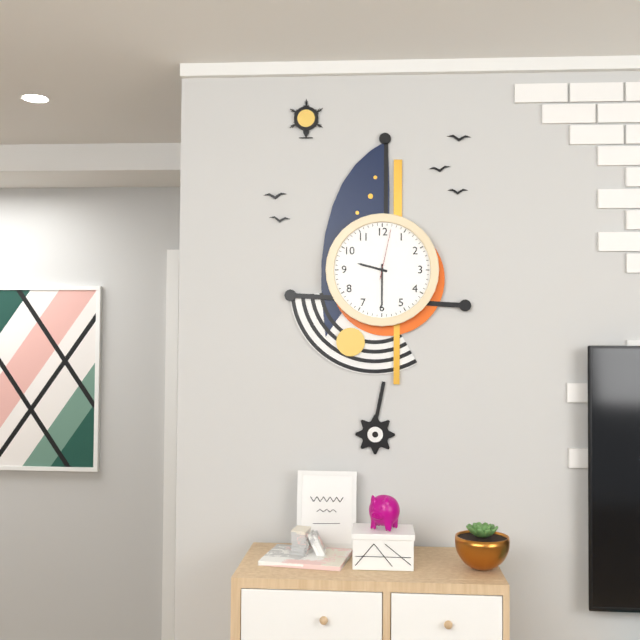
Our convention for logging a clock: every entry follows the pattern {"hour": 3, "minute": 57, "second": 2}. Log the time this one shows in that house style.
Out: {"hour": 9, "minute": 30, "second": 2}
